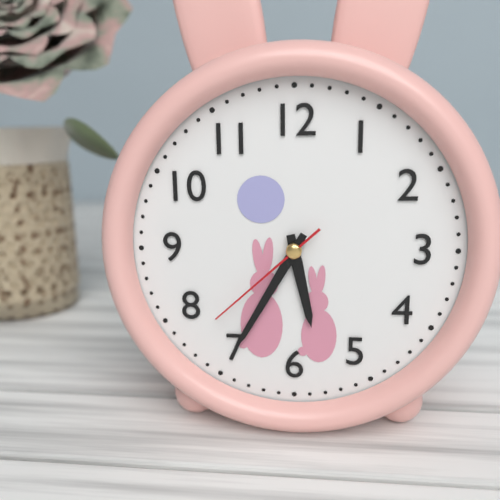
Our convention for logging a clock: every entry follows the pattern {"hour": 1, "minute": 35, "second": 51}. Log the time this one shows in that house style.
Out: {"hour": 5, "minute": 35, "second": 38}
